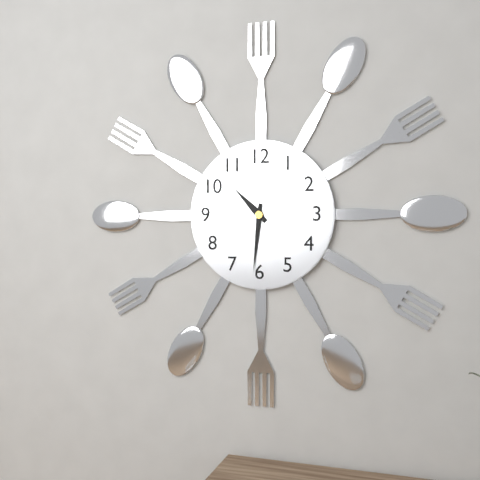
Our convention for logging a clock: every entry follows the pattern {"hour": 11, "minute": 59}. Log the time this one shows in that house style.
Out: {"hour": 10, "minute": 31}
